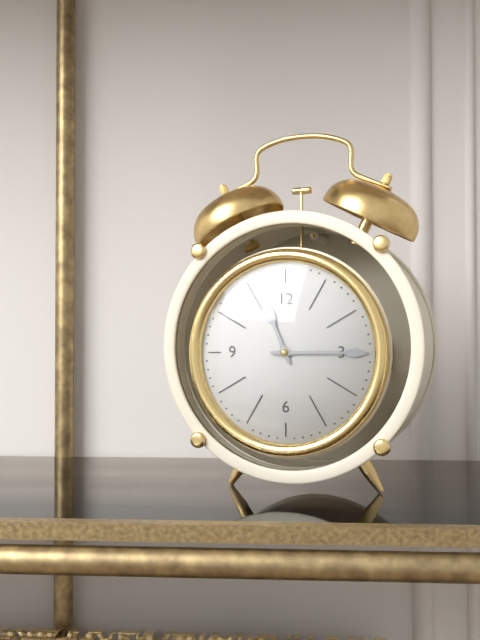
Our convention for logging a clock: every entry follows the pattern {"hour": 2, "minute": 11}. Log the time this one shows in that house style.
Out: {"hour": 11, "minute": 15}
